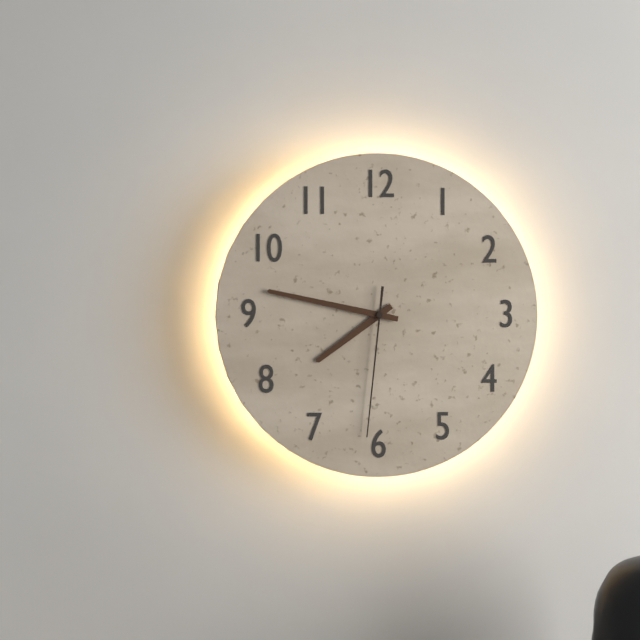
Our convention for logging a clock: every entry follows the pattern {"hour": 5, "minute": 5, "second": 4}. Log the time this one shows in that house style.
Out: {"hour": 7, "minute": 47, "second": 31}
